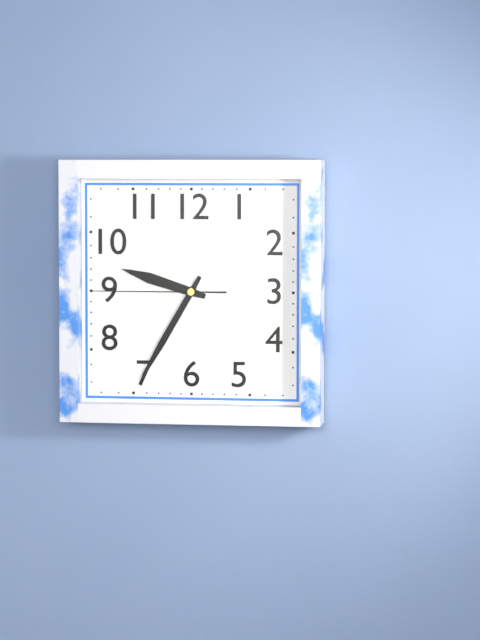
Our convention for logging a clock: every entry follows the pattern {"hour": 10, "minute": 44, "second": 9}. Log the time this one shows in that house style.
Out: {"hour": 9, "minute": 35, "second": 45}
